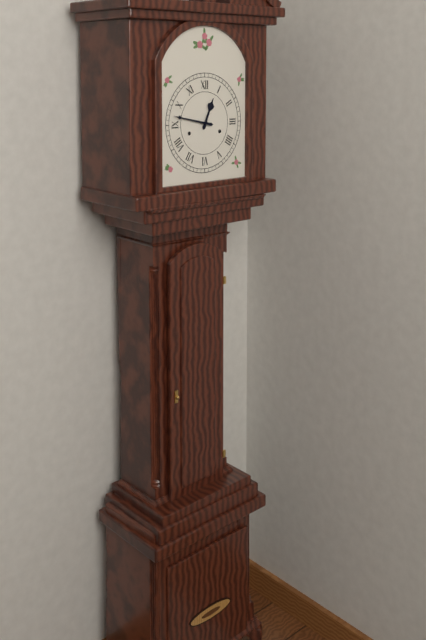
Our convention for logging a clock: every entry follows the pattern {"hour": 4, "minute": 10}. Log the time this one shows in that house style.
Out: {"hour": 12, "minute": 47}
